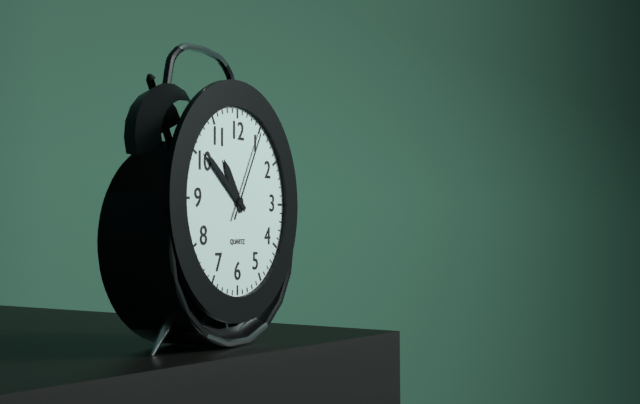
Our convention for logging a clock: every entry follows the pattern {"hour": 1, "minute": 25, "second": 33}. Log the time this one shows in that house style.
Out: {"hour": 10, "minute": 51, "second": 5}
